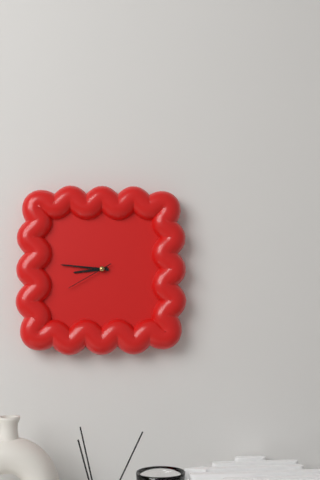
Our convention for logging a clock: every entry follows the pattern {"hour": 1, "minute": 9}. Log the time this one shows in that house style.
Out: {"hour": 8, "minute": 46}
